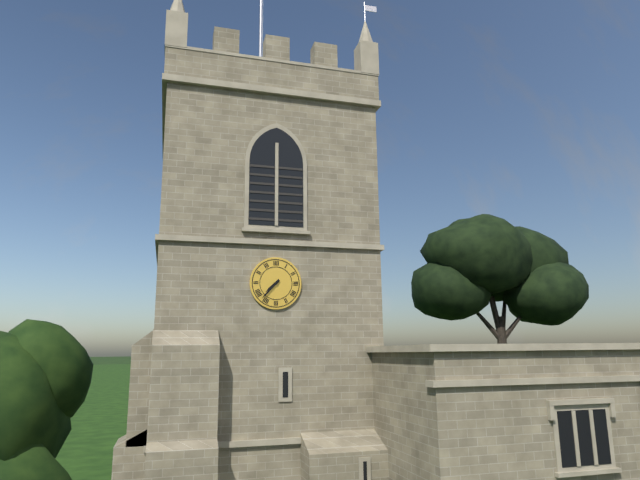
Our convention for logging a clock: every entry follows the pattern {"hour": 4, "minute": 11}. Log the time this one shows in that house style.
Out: {"hour": 7, "minute": 37}
